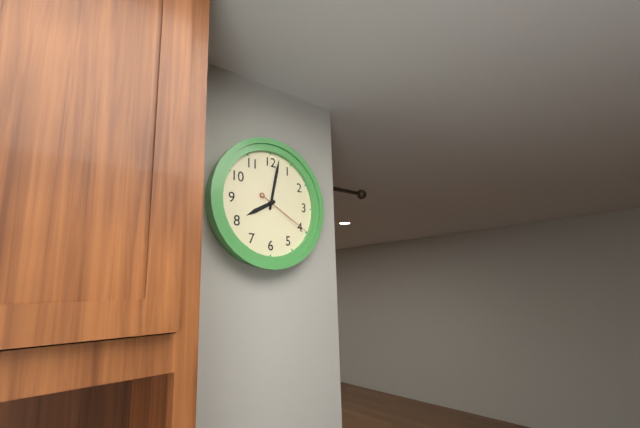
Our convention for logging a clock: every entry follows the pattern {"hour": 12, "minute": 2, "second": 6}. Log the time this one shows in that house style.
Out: {"hour": 8, "minute": 2, "second": 20}
